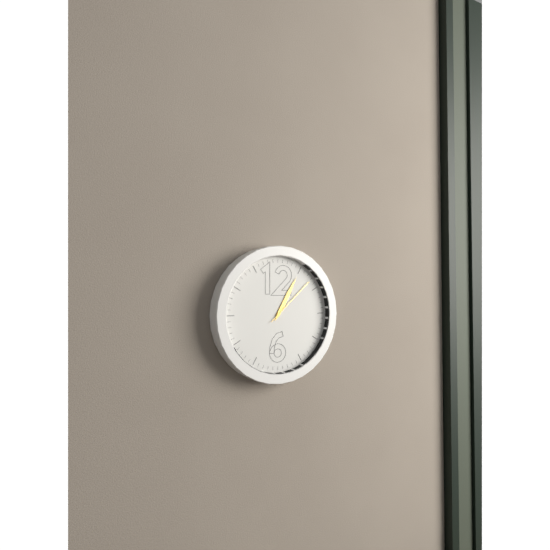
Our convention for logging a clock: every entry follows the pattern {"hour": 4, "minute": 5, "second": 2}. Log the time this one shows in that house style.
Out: {"hour": 1, "minute": 5, "second": 8}
